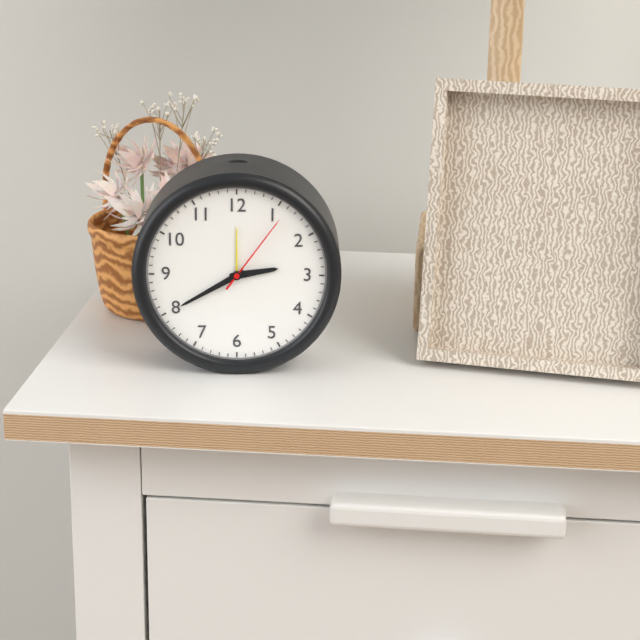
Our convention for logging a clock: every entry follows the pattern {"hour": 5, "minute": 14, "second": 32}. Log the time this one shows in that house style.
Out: {"hour": 2, "minute": 40, "second": 6}
